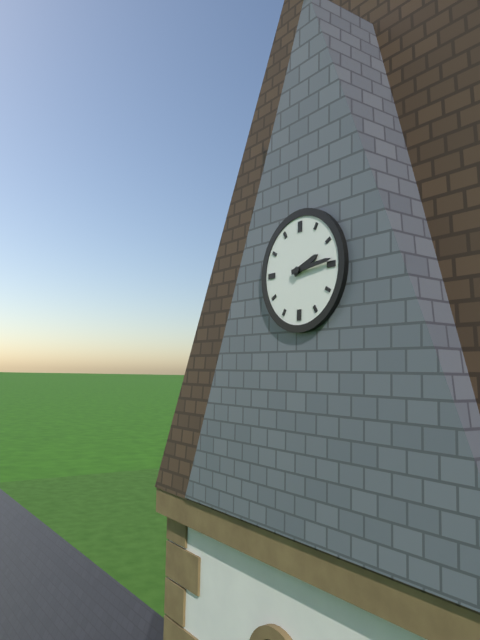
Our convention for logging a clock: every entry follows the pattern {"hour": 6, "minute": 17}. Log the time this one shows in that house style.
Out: {"hour": 2, "minute": 14}
